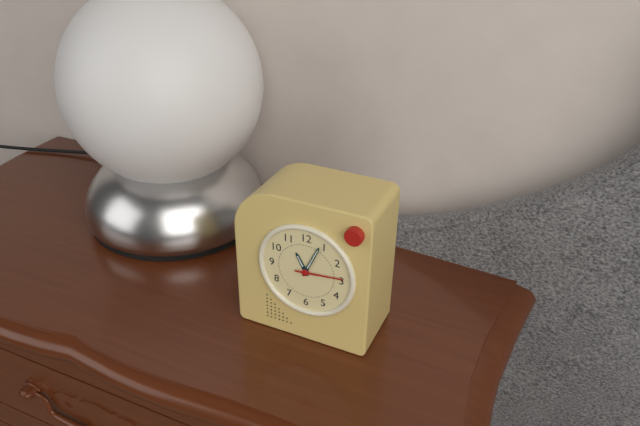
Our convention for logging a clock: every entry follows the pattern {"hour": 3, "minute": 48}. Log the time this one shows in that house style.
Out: {"hour": 11, "minute": 4}
